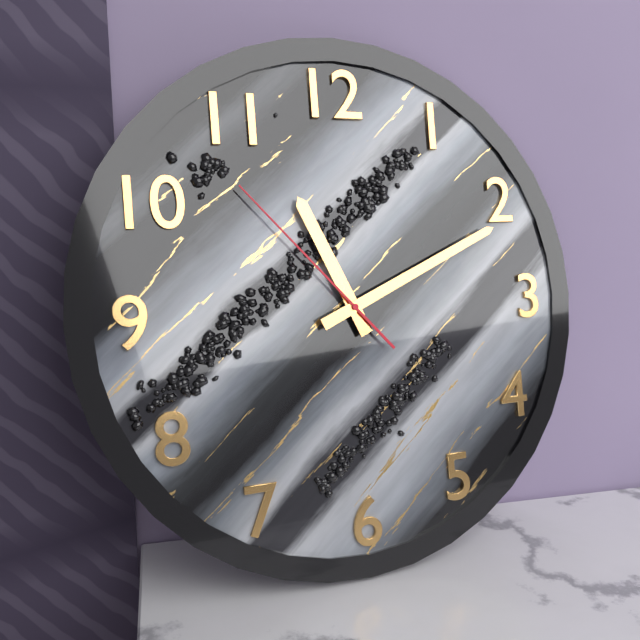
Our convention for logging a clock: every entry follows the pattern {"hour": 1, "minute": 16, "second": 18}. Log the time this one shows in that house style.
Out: {"hour": 11, "minute": 11, "second": 53}
